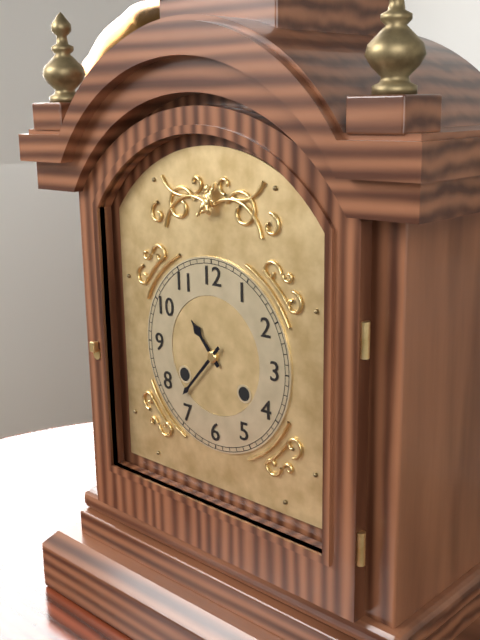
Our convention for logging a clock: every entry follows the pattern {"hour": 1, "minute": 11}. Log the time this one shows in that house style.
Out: {"hour": 10, "minute": 37}
